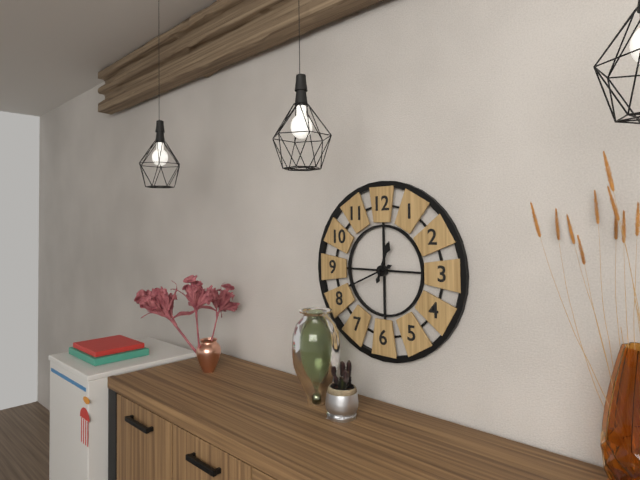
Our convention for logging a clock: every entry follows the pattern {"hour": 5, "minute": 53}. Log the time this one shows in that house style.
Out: {"hour": 12, "minute": 41}
